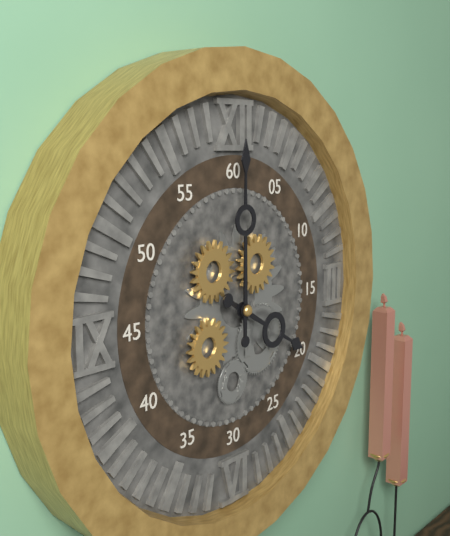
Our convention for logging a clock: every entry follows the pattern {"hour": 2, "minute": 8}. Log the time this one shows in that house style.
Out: {"hour": 4, "minute": 0}
